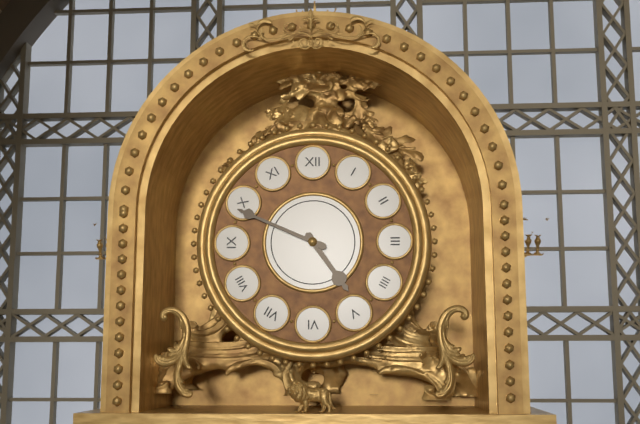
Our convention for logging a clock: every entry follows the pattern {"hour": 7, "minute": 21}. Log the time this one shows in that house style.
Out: {"hour": 4, "minute": 49}
